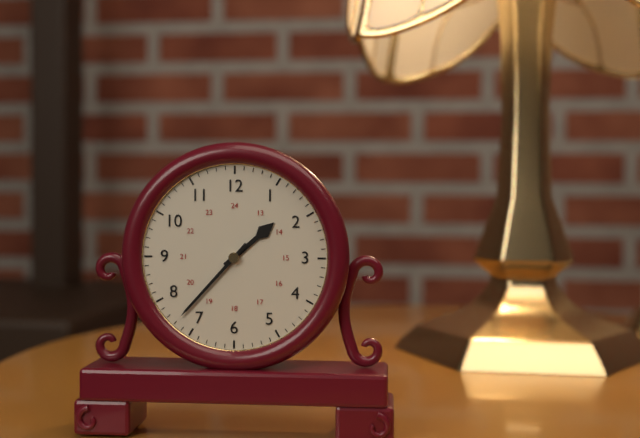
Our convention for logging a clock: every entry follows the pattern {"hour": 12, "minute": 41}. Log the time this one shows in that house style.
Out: {"hour": 1, "minute": 37}
